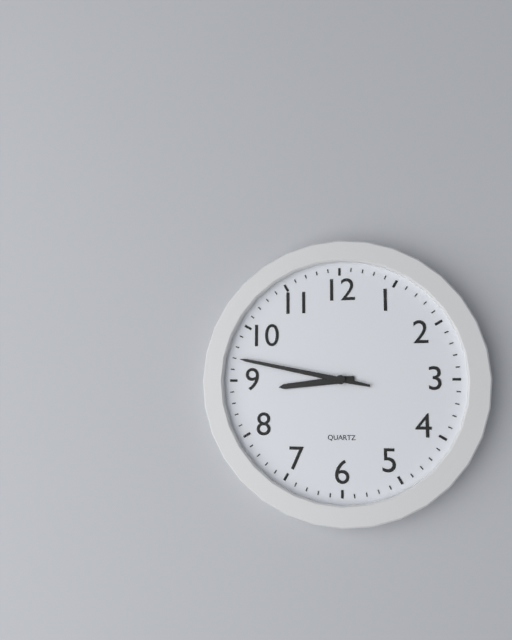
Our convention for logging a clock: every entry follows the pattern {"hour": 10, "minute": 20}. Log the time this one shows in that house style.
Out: {"hour": 8, "minute": 47}
